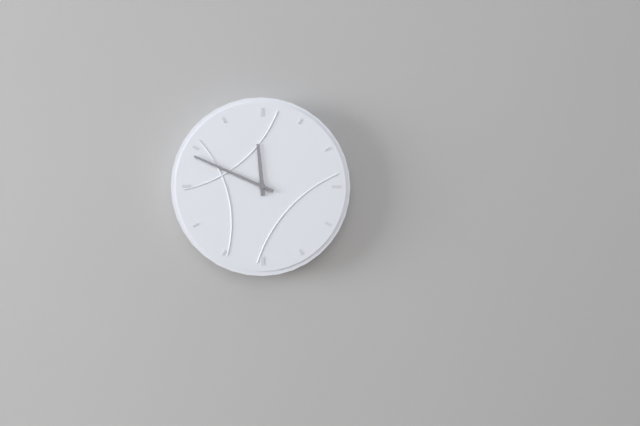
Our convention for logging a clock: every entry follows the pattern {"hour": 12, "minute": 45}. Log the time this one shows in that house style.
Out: {"hour": 11, "minute": 49}
